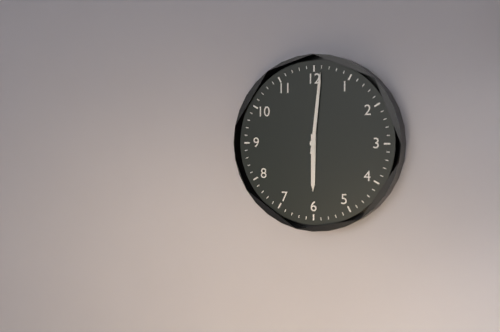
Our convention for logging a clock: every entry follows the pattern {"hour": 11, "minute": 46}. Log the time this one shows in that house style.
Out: {"hour": 6, "minute": 1}
